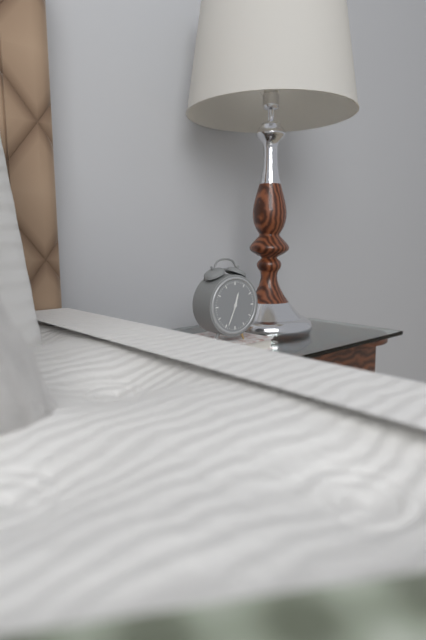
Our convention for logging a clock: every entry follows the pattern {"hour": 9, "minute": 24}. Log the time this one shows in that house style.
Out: {"hour": 12, "minute": 34}
